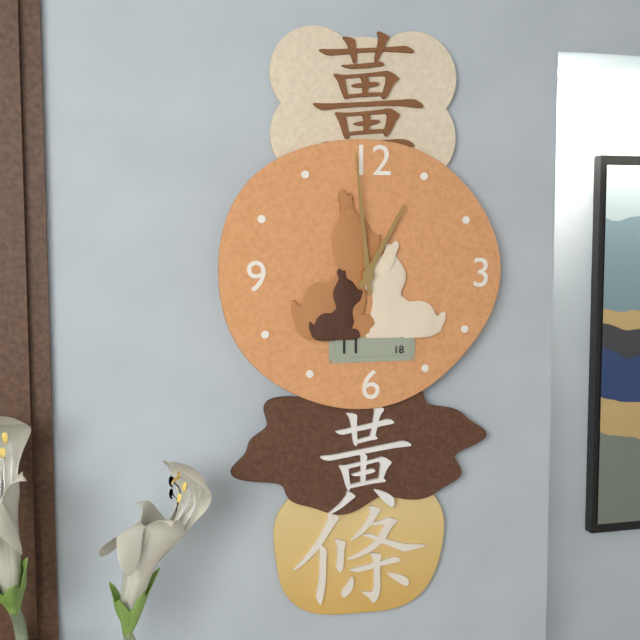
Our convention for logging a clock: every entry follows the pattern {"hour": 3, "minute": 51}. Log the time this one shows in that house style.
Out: {"hour": 12, "minute": 59}
